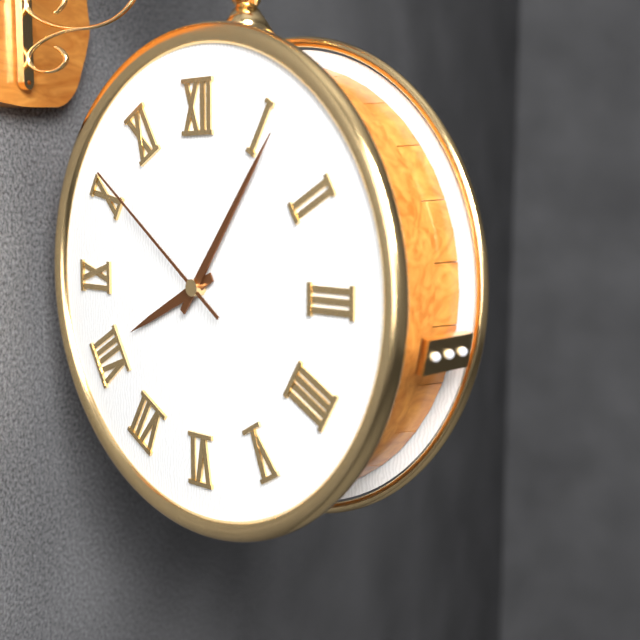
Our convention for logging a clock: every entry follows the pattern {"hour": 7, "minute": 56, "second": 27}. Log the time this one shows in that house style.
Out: {"hour": 8, "minute": 6, "second": 51}
